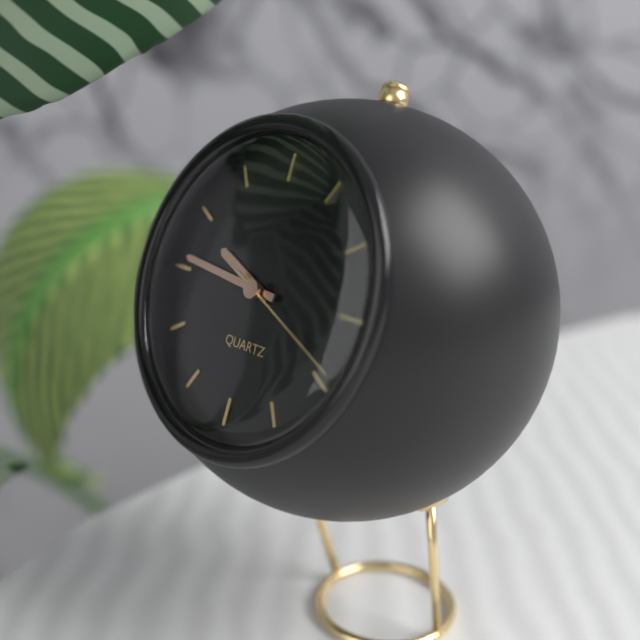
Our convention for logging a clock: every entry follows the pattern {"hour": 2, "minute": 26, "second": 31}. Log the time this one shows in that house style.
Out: {"hour": 9, "minute": 46, "second": 19}
